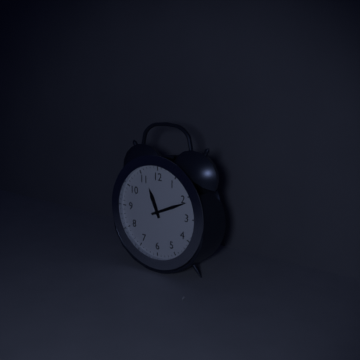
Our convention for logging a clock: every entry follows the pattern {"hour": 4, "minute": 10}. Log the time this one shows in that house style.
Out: {"hour": 11, "minute": 11}
